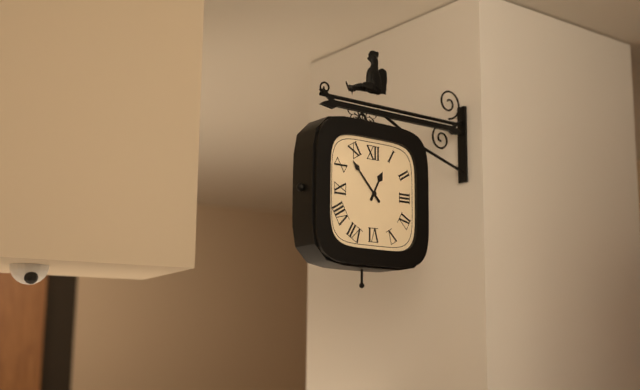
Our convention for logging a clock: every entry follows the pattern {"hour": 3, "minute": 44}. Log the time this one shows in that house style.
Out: {"hour": 12, "minute": 53}
